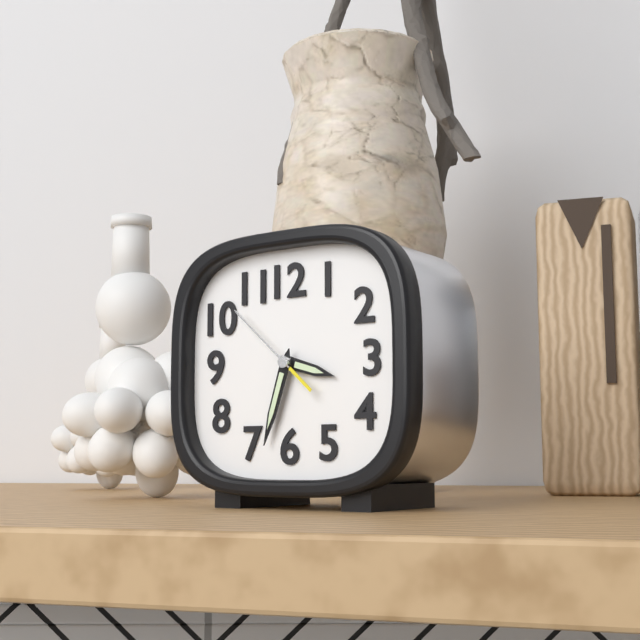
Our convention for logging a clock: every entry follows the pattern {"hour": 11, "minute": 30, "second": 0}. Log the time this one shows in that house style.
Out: {"hour": 3, "minute": 33, "second": 52}
